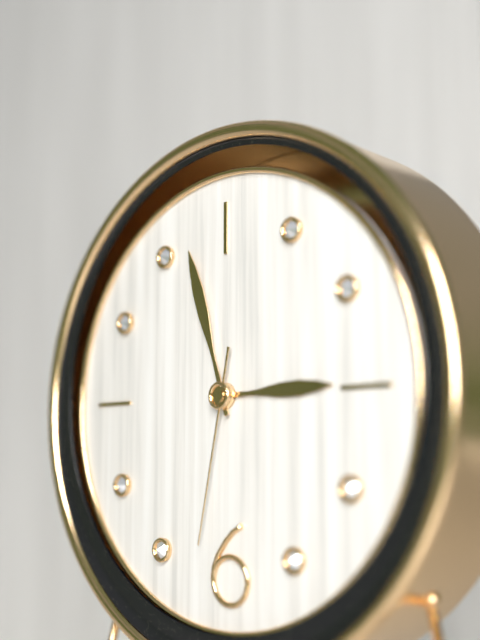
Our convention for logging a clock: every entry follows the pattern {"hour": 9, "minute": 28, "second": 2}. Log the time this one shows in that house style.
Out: {"hour": 2, "minute": 57, "second": 32}
